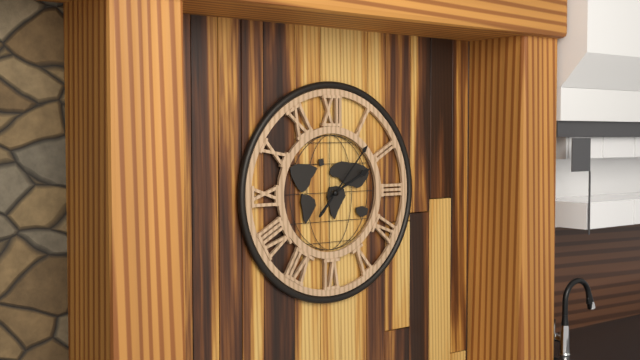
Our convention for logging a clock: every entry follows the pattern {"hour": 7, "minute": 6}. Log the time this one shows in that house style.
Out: {"hour": 2, "minute": 7}
